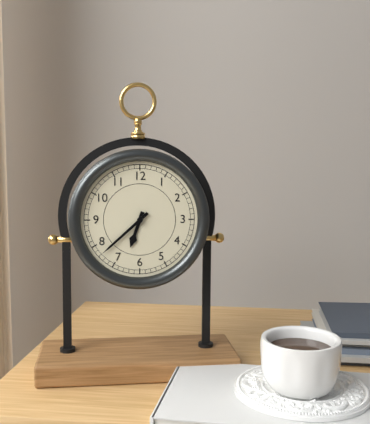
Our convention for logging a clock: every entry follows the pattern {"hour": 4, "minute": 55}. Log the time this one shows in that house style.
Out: {"hour": 6, "minute": 38}
